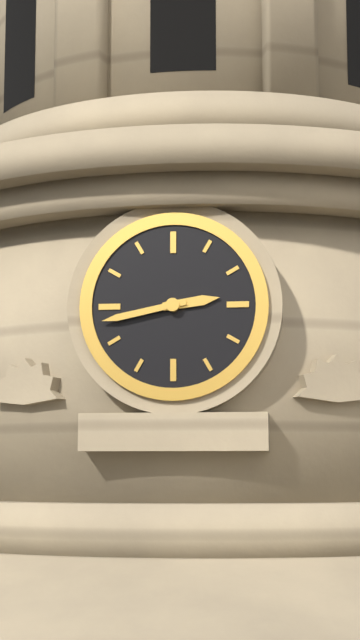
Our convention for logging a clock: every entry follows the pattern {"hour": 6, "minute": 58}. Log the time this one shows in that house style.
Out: {"hour": 2, "minute": 43}
